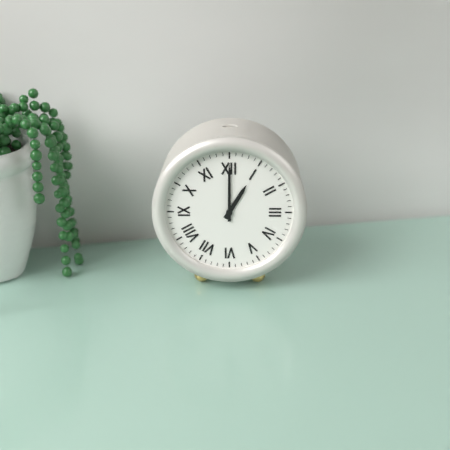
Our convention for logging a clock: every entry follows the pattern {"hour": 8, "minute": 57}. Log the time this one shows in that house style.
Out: {"hour": 1, "minute": 0}
